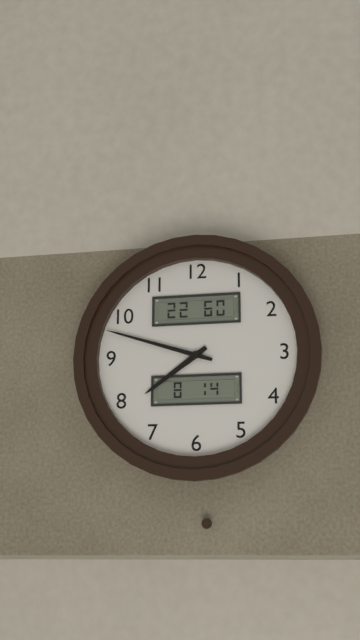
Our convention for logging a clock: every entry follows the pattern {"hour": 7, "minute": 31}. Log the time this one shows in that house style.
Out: {"hour": 7, "minute": 48}
